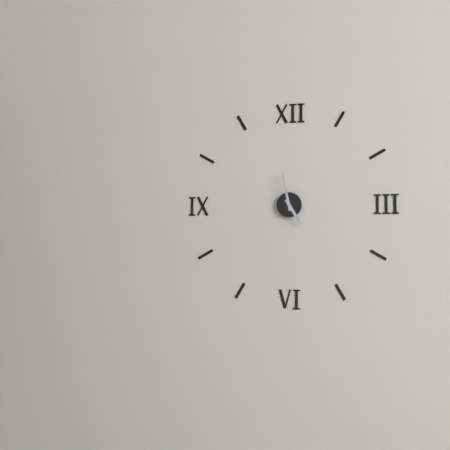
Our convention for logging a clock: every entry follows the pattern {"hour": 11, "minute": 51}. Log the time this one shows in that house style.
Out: {"hour": 4, "minute": 58}
